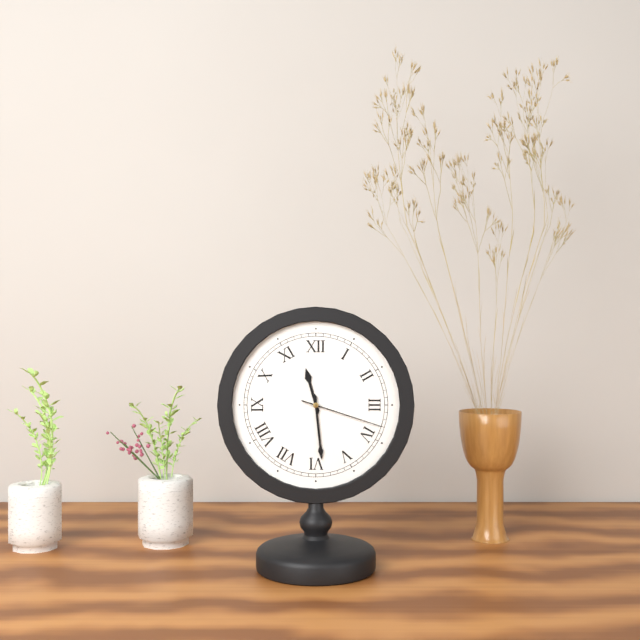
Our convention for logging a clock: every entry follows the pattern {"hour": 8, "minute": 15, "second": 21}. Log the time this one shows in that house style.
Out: {"hour": 11, "minute": 29, "second": 18}
